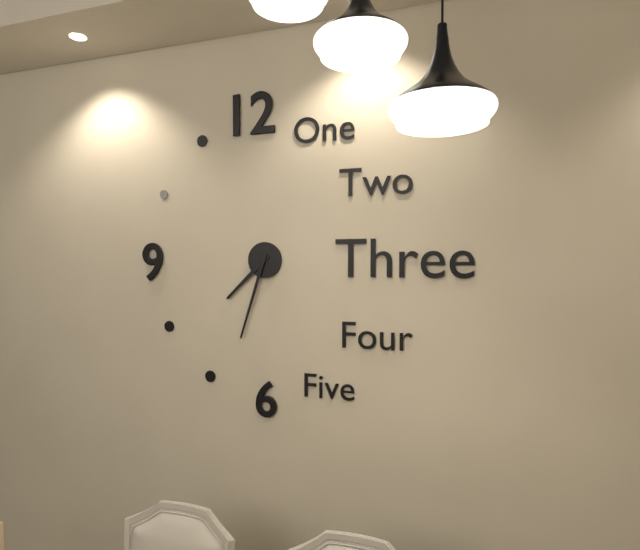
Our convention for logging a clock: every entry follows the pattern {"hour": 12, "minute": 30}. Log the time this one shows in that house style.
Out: {"hour": 7, "minute": 33}
